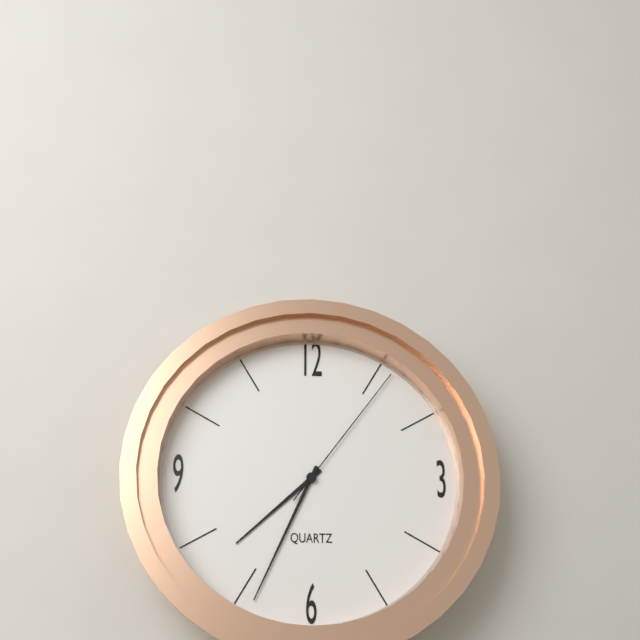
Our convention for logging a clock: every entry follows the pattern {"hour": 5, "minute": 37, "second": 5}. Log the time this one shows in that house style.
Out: {"hour": 7, "minute": 34, "second": 6}
